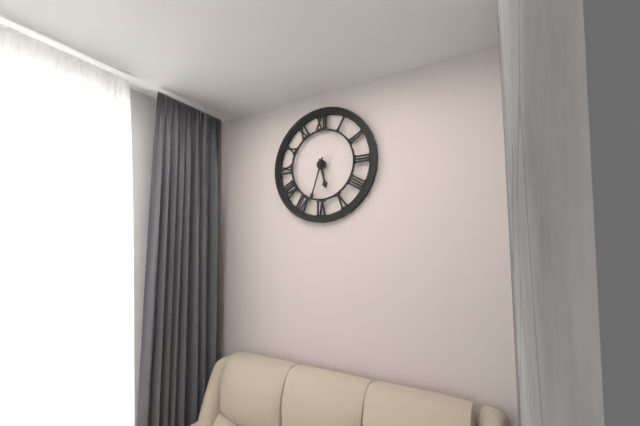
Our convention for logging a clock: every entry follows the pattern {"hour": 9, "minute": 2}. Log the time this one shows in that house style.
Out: {"hour": 5, "minute": 33}
